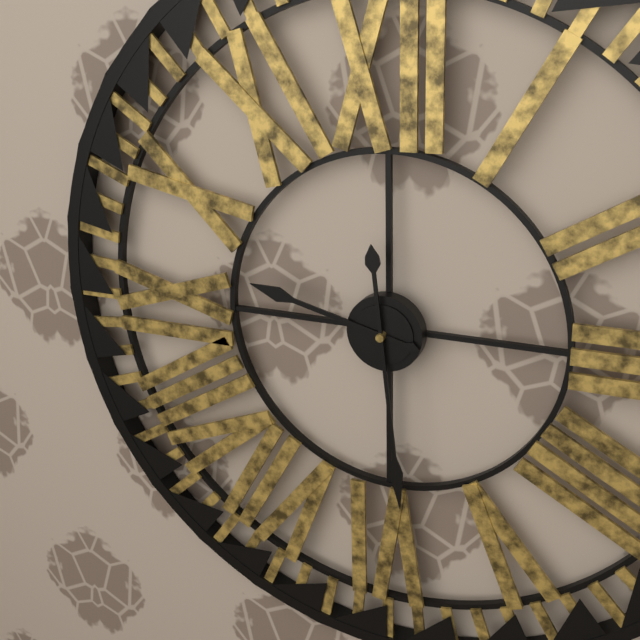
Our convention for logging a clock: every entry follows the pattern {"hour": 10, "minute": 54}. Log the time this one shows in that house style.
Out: {"hour": 9, "minute": 29}
